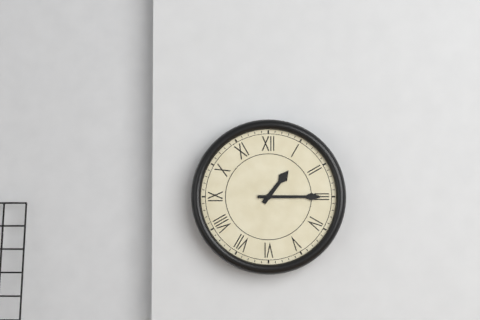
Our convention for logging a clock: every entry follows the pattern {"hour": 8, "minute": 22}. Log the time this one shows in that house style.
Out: {"hour": 1, "minute": 15}
